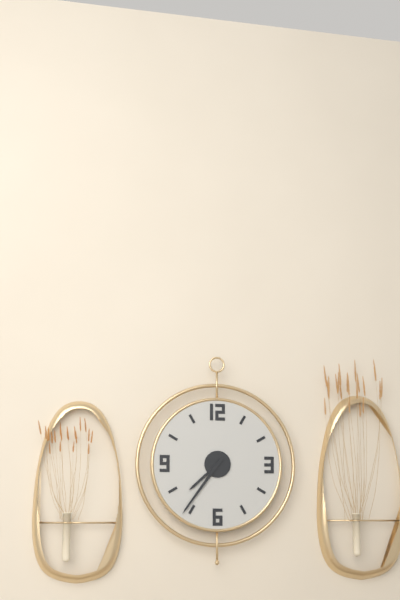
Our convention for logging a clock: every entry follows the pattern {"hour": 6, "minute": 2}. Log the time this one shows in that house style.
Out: {"hour": 7, "minute": 36}
